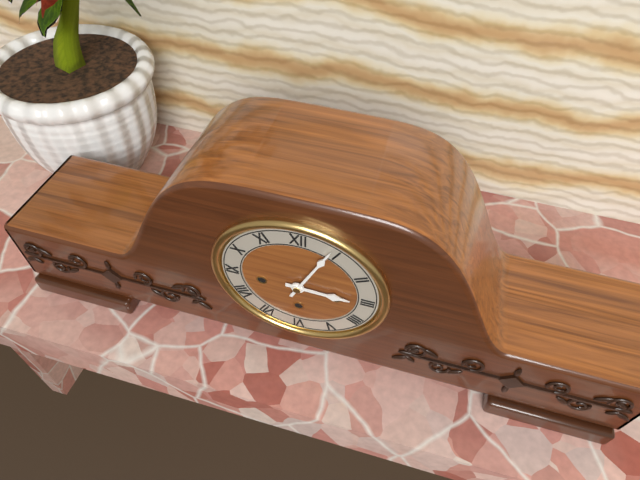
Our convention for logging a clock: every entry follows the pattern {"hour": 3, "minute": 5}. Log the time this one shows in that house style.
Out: {"hour": 3, "minute": 4}
